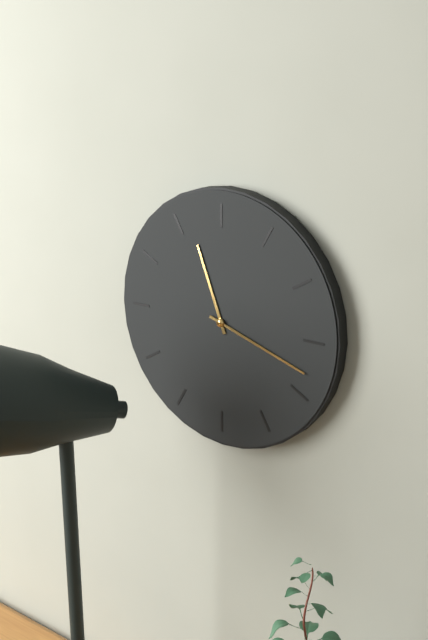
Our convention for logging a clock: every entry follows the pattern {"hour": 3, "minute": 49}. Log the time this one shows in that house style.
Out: {"hour": 11, "minute": 18}
